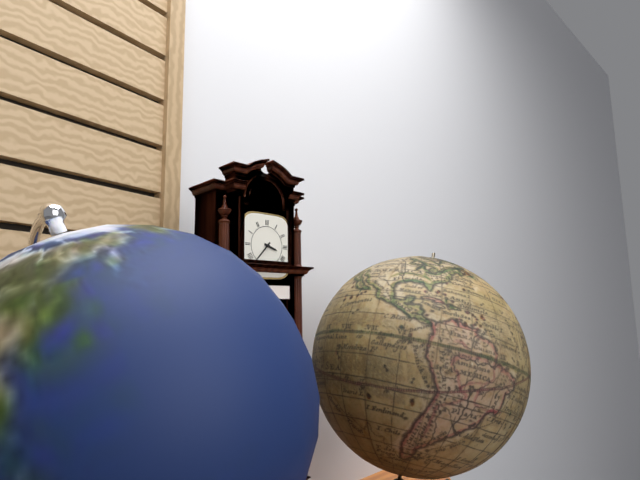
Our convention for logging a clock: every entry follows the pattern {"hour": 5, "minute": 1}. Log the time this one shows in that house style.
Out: {"hour": 3, "minute": 37}
